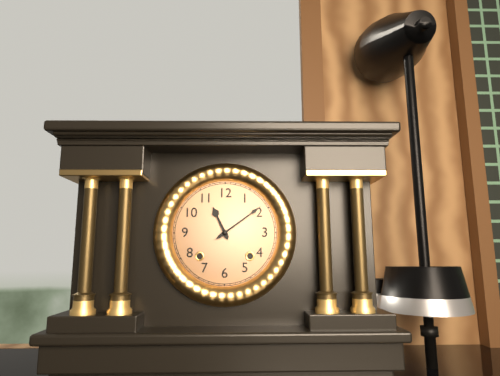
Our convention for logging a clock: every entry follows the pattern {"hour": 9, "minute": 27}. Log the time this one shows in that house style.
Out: {"hour": 11, "minute": 9}
